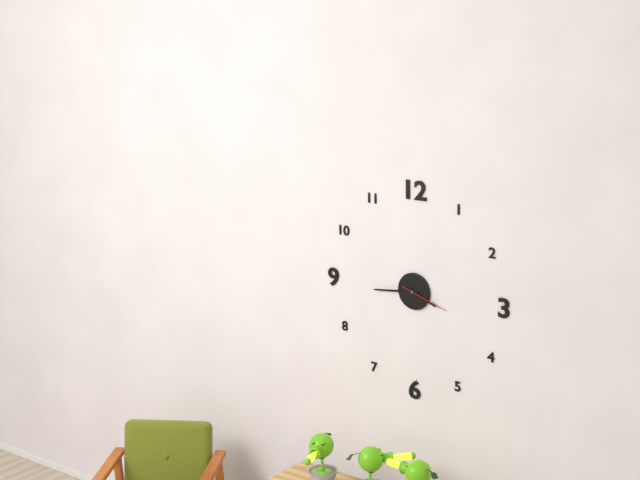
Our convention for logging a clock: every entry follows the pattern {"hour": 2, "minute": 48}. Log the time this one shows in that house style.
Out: {"hour": 3, "minute": 44}
